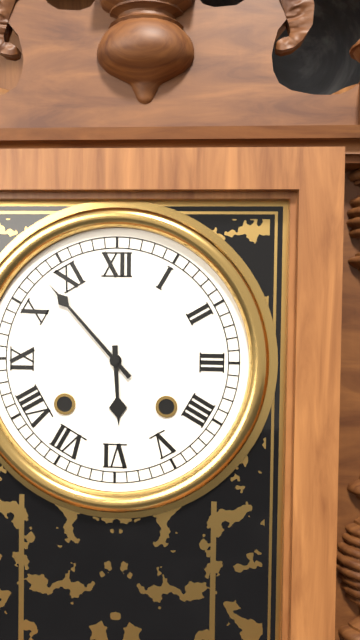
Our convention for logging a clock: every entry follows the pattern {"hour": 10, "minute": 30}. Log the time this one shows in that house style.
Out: {"hour": 5, "minute": 53}
